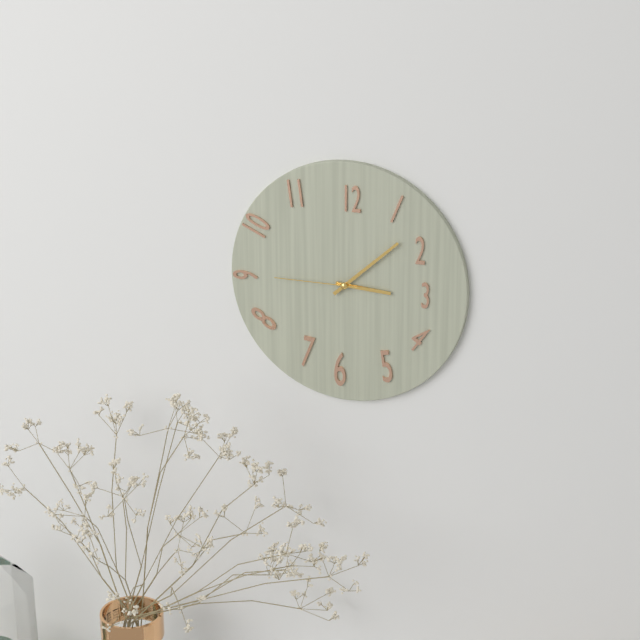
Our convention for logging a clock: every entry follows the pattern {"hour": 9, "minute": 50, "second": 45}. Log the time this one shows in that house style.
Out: {"hour": 3, "minute": 8, "second": 45}
